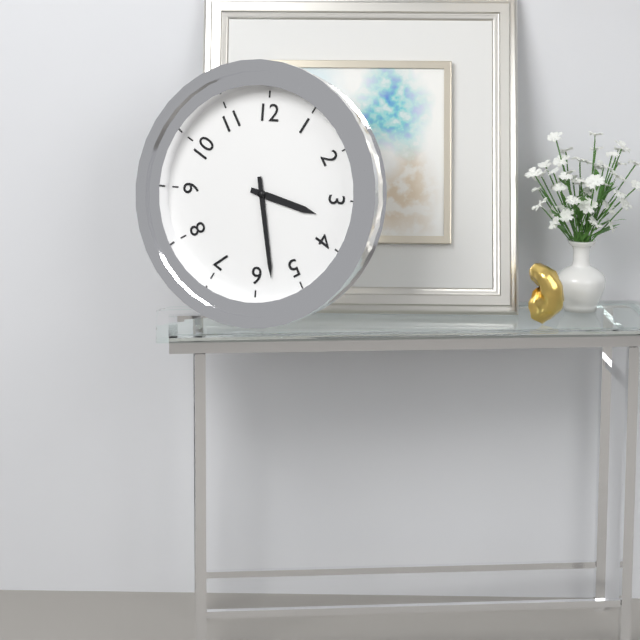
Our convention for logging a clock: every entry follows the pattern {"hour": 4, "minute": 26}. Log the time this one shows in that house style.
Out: {"hour": 3, "minute": 28}
